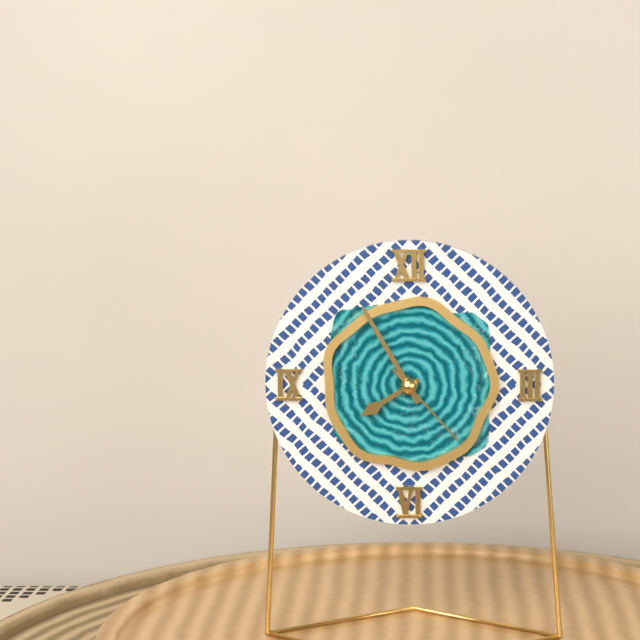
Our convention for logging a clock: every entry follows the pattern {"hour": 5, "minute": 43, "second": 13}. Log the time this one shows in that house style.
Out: {"hour": 7, "minute": 55, "second": 23}
